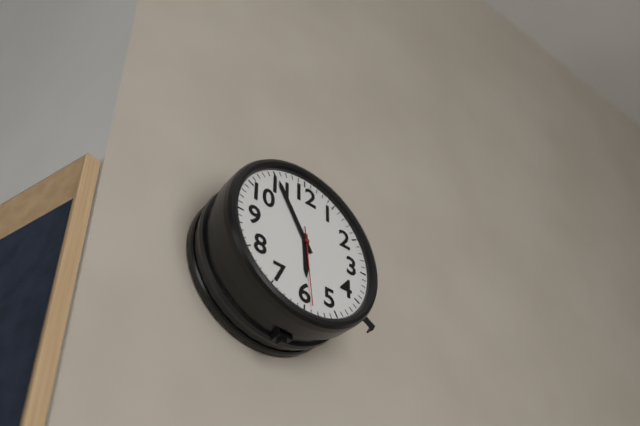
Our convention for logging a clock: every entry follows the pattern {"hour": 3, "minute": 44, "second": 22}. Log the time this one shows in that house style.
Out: {"hour": 5, "minute": 55, "second": 29}
